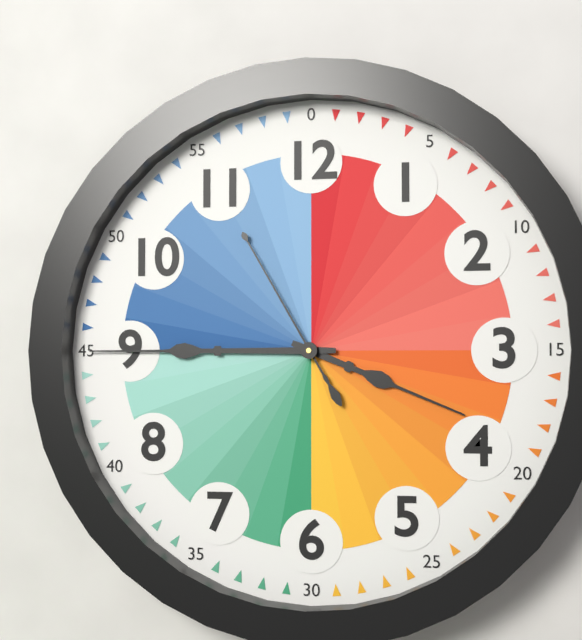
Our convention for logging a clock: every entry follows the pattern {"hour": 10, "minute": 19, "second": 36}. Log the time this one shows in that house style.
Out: {"hour": 3, "minute": 45, "second": 55}
